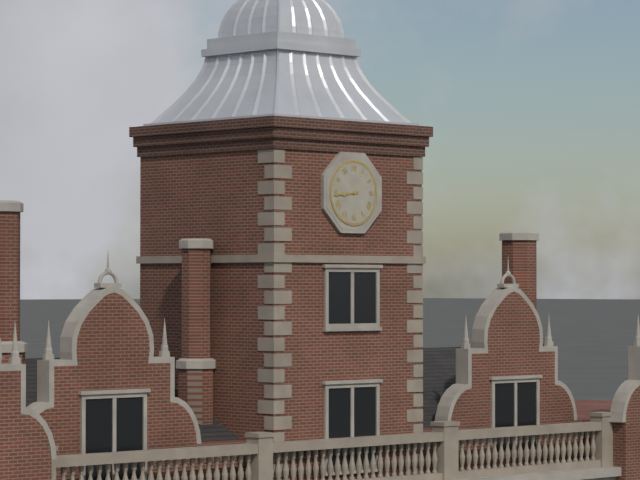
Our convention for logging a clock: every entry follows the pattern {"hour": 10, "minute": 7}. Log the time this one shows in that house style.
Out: {"hour": 8, "minute": 44}
